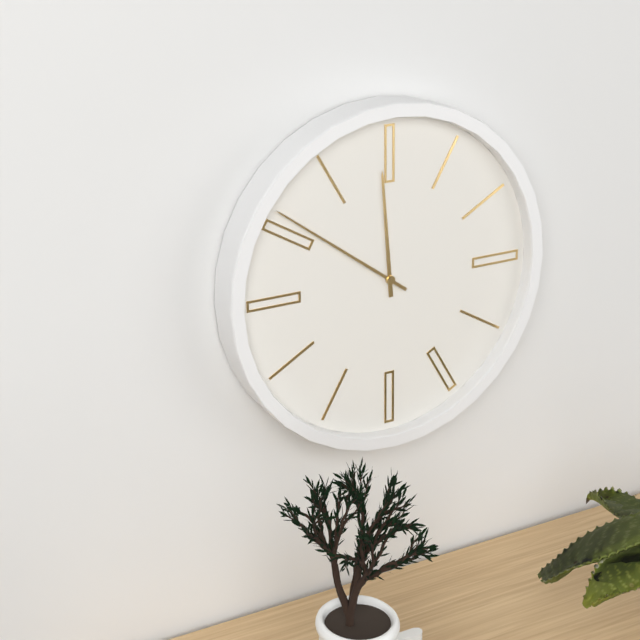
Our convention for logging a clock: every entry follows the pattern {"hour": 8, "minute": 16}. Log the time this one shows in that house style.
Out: {"hour": 11, "minute": 51}
